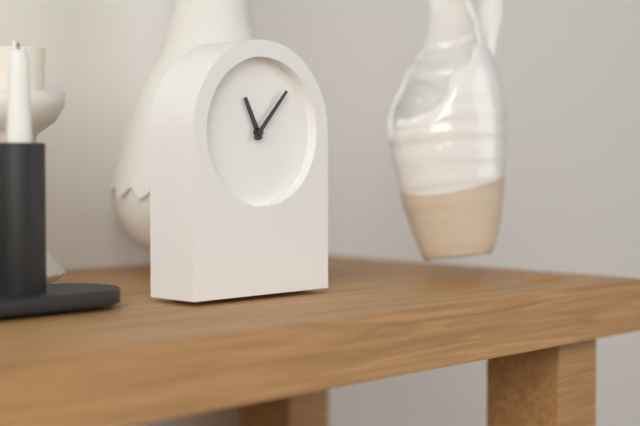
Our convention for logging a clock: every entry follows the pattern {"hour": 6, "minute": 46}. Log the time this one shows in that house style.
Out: {"hour": 11, "minute": 7}
